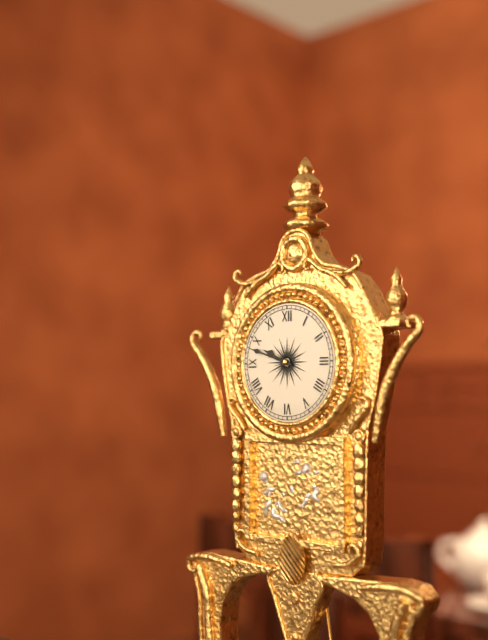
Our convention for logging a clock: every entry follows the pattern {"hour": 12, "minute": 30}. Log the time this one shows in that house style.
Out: {"hour": 9, "minute": 48}
